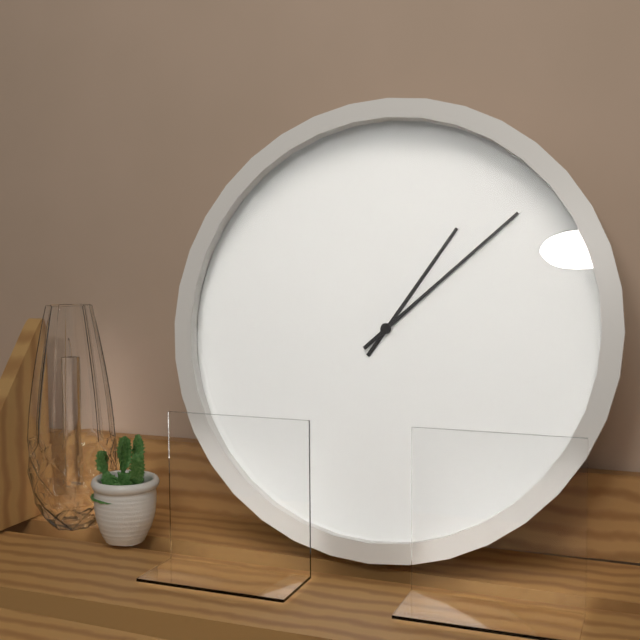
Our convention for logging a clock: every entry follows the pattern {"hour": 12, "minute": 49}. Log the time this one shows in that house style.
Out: {"hour": 1, "minute": 8}
